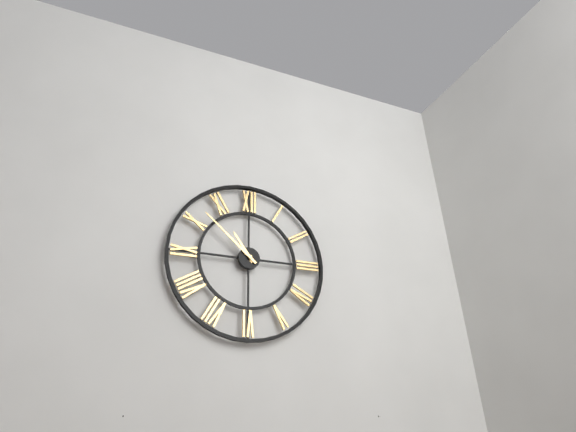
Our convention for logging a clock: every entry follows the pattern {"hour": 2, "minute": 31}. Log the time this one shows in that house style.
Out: {"hour": 10, "minute": 52}
